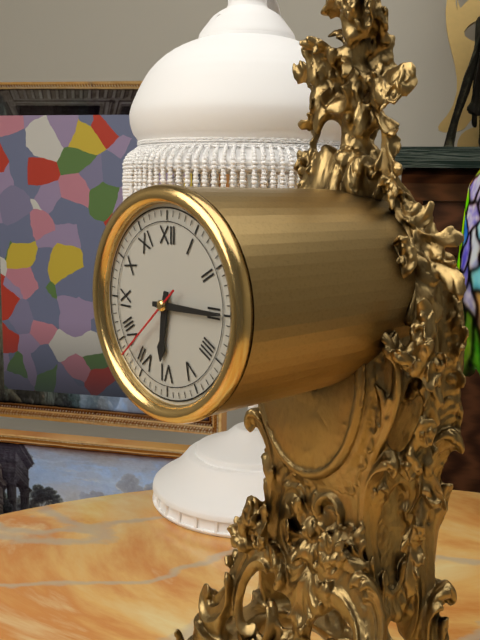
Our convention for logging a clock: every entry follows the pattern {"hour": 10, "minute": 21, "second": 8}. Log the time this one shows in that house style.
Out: {"hour": 6, "minute": 15, "second": 38}
